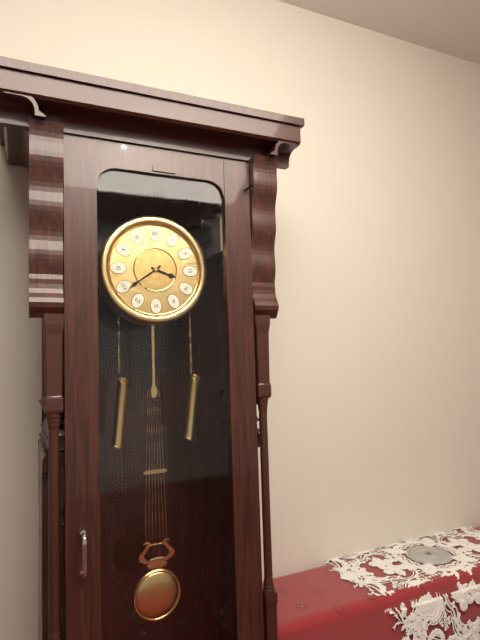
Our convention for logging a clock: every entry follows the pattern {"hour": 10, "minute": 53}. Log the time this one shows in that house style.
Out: {"hour": 3, "minute": 39}
